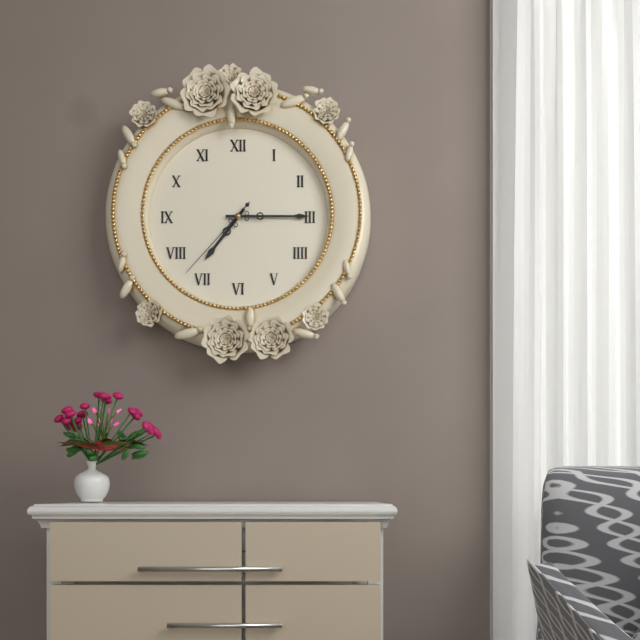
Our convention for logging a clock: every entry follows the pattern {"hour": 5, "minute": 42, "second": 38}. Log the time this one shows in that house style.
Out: {"hour": 7, "minute": 15, "second": 37}
